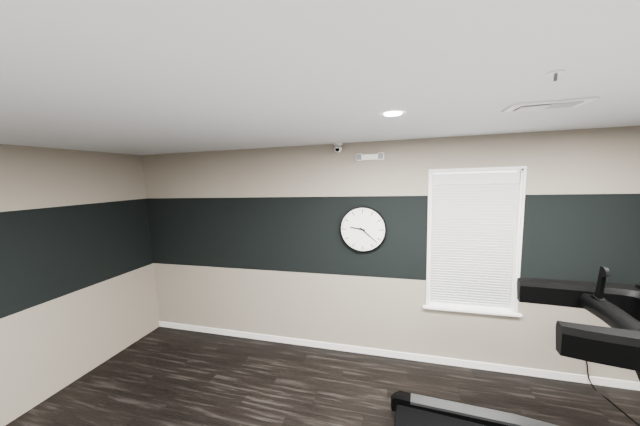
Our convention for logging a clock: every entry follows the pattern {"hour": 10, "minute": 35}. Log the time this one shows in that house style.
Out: {"hour": 9, "minute": 22}
